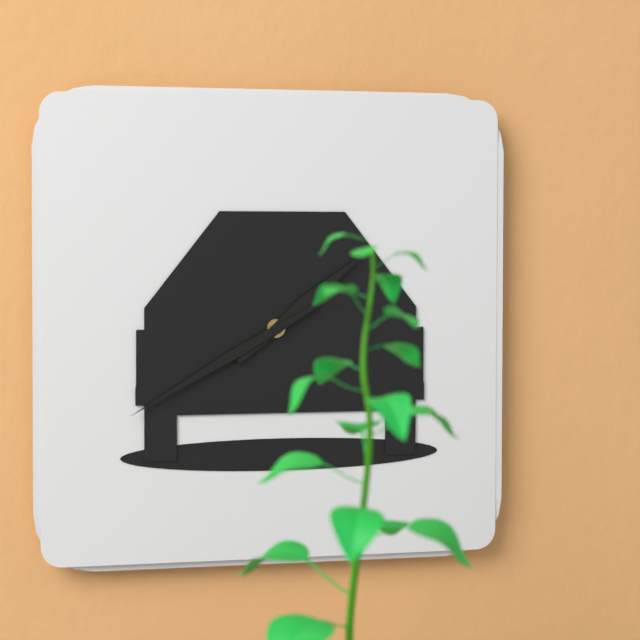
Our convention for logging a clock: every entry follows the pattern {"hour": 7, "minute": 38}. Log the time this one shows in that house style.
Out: {"hour": 1, "minute": 40}
